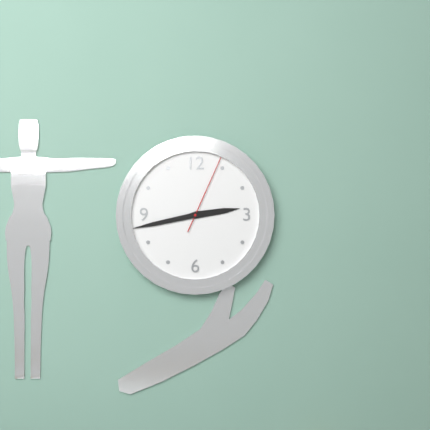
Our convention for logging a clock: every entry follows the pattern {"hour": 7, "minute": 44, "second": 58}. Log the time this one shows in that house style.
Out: {"hour": 2, "minute": 43, "second": 4}
